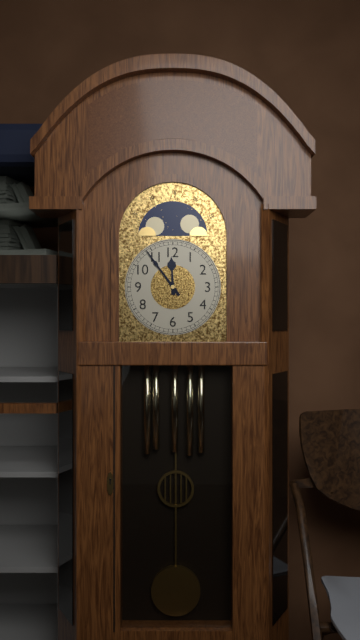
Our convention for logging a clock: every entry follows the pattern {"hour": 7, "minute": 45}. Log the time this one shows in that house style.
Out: {"hour": 11, "minute": 54}
